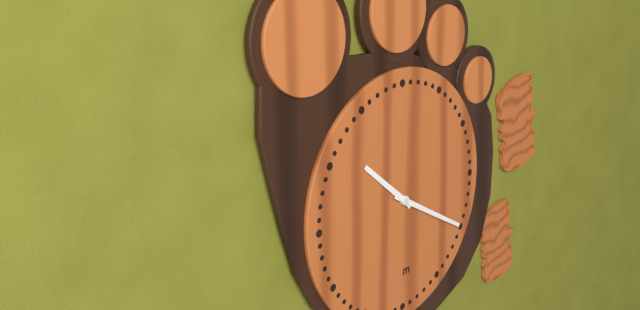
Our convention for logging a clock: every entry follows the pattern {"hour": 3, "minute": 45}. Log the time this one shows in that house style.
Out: {"hour": 10, "minute": 20}
